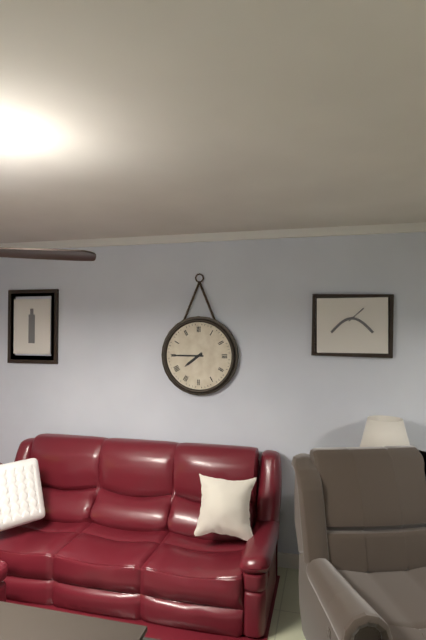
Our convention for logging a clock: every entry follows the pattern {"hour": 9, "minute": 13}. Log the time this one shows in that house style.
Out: {"hour": 7, "minute": 45}
